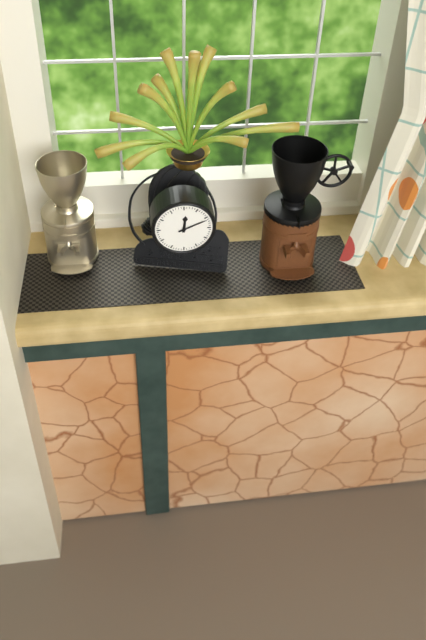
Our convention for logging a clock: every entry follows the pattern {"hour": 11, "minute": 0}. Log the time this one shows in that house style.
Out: {"hour": 12, "minute": 11}
